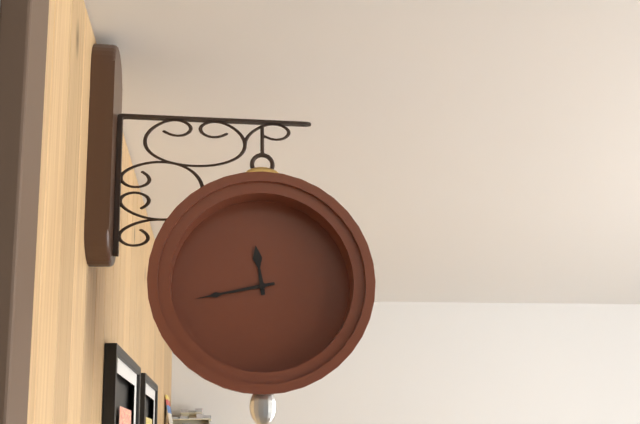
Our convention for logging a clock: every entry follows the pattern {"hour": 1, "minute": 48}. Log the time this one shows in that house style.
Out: {"hour": 11, "minute": 43}
